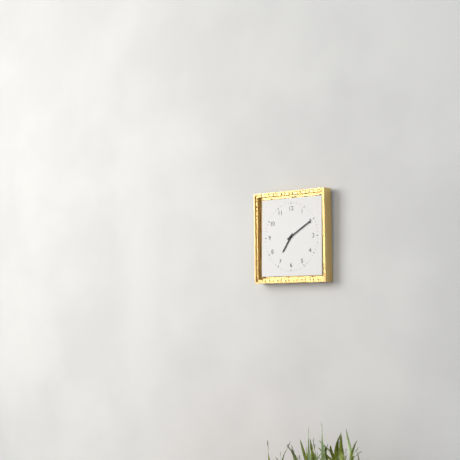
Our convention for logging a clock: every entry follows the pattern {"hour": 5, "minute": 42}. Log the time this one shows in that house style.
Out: {"hour": 7, "minute": 10}
